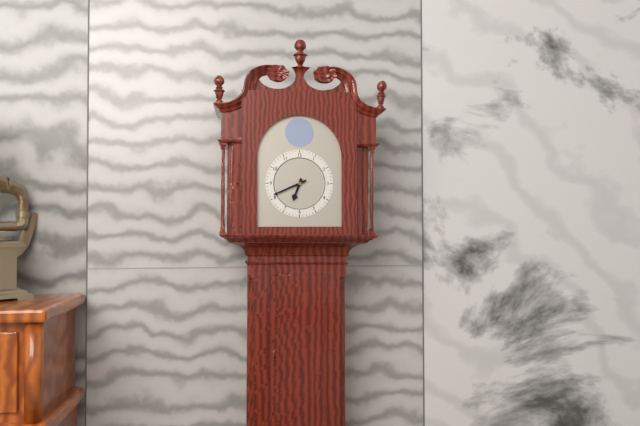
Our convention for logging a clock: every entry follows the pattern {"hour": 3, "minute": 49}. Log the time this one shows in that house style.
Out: {"hour": 6, "minute": 41}
